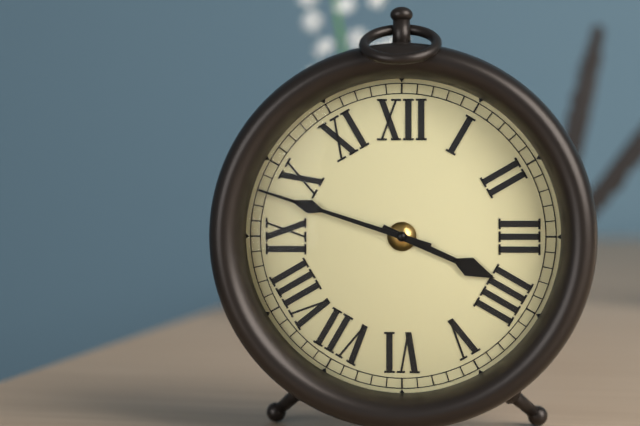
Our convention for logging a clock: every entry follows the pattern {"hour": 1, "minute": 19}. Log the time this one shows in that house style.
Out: {"hour": 3, "minute": 48}
